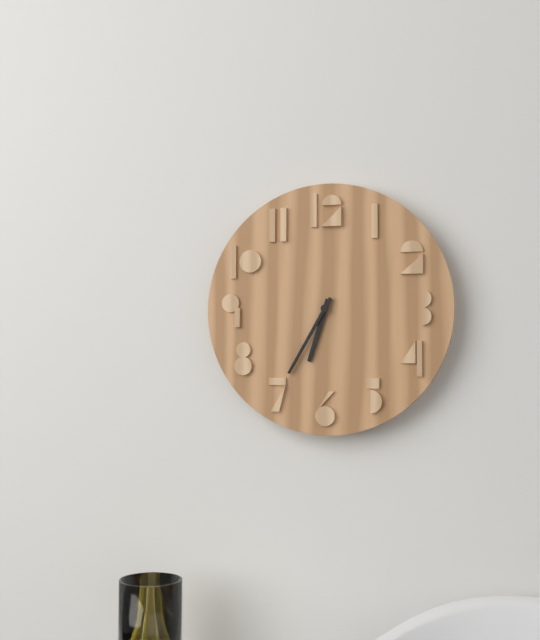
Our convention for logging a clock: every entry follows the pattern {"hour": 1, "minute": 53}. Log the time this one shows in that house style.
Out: {"hour": 6, "minute": 35}
